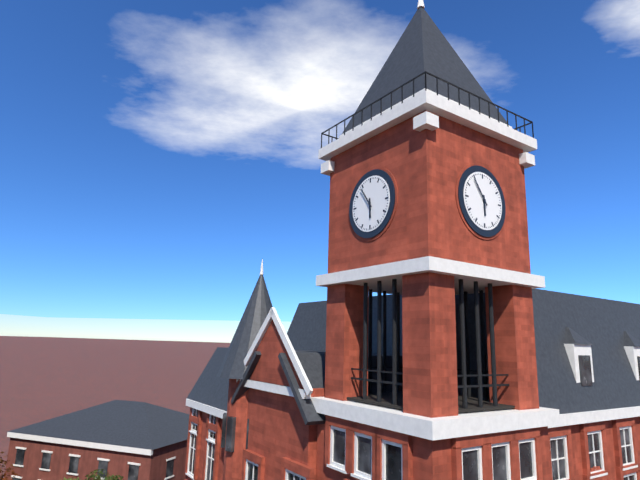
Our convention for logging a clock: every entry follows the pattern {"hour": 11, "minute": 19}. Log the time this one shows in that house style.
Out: {"hour": 5, "minute": 54}
